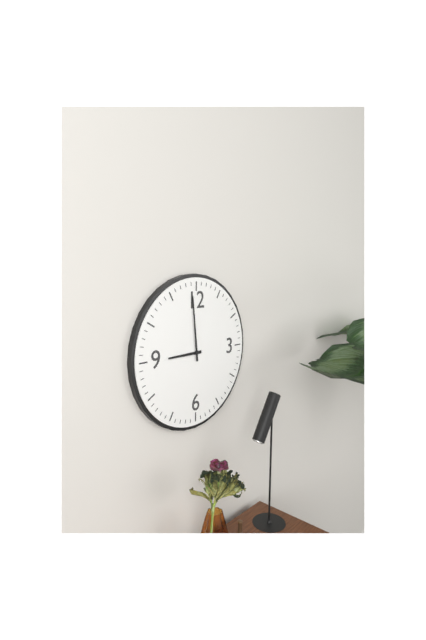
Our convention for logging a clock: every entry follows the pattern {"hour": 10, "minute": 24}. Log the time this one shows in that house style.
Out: {"hour": 8, "minute": 59}
